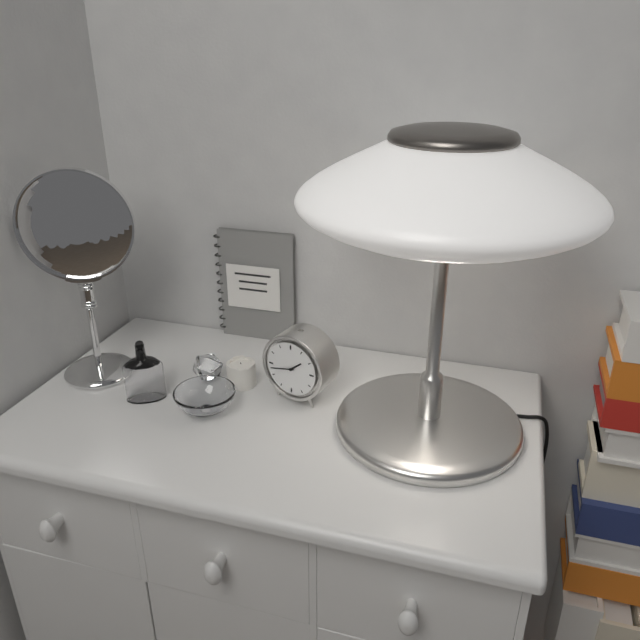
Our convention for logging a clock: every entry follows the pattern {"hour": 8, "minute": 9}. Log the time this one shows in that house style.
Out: {"hour": 1, "minute": 43}
